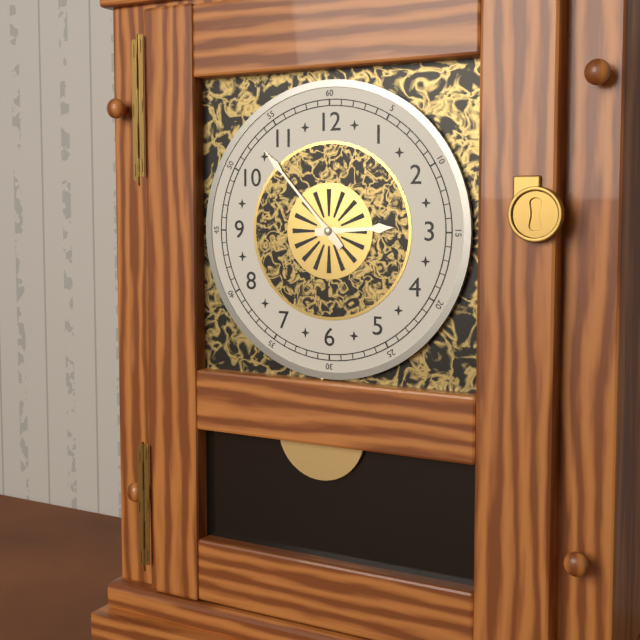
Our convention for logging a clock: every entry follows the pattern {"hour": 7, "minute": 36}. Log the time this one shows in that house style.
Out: {"hour": 2, "minute": 53}
